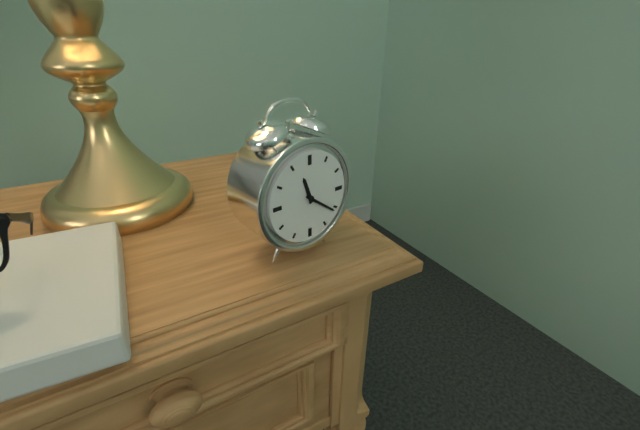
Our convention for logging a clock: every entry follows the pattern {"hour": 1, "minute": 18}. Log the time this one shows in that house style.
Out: {"hour": 11, "minute": 21}
